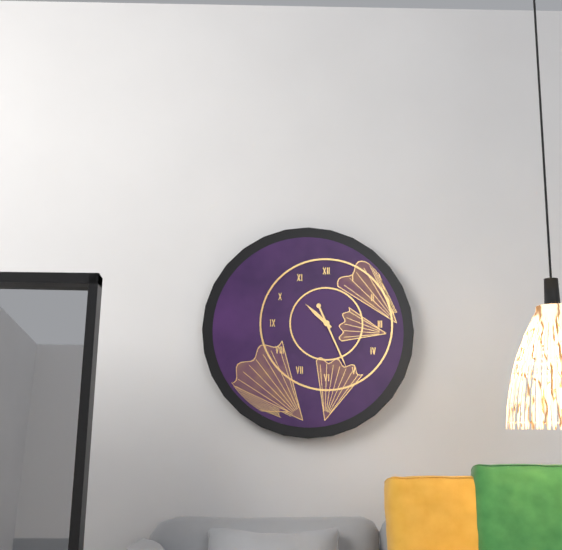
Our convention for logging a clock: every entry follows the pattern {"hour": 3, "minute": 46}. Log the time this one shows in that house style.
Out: {"hour": 10, "minute": 26}
